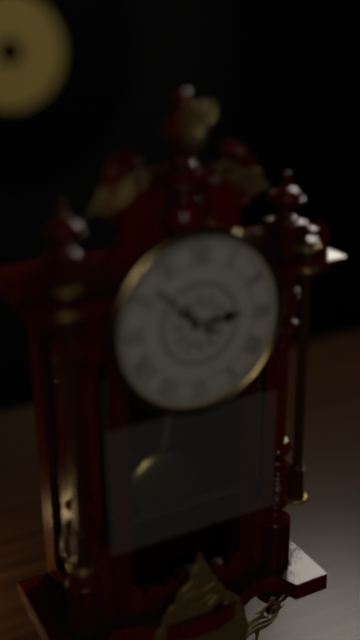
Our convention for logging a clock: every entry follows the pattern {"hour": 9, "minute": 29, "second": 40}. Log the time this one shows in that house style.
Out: {"hour": 2, "minute": 52, "second": 50}
